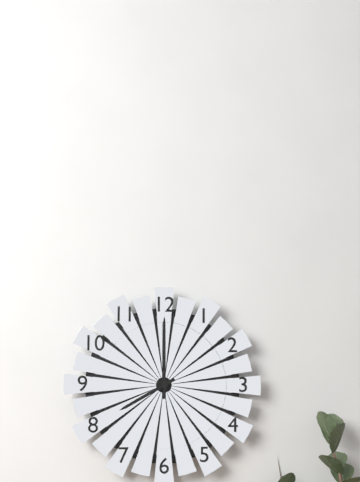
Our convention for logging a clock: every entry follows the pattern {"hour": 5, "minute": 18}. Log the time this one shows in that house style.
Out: {"hour": 8, "minute": 0}
